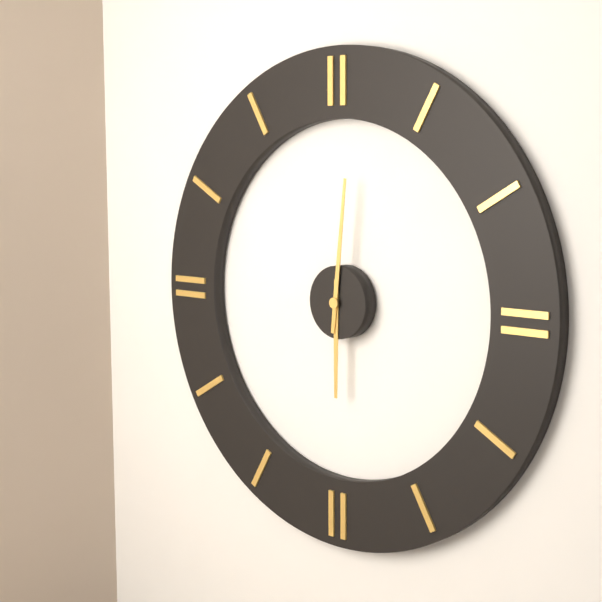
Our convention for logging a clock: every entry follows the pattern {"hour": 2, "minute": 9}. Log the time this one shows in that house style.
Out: {"hour": 6, "minute": 1}
